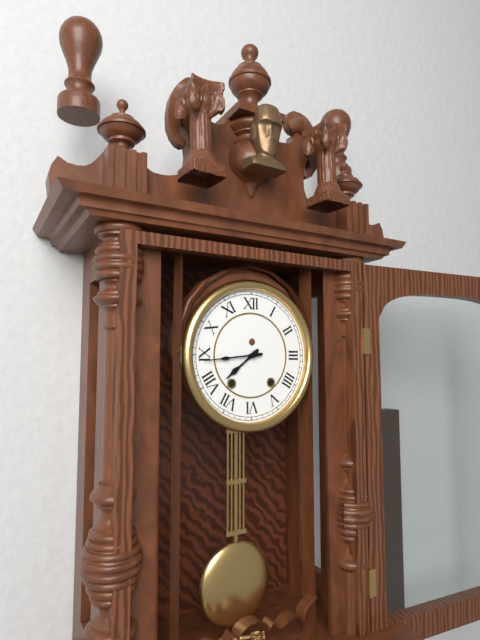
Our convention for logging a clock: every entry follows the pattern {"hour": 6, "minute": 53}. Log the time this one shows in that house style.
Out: {"hour": 7, "minute": 44}
